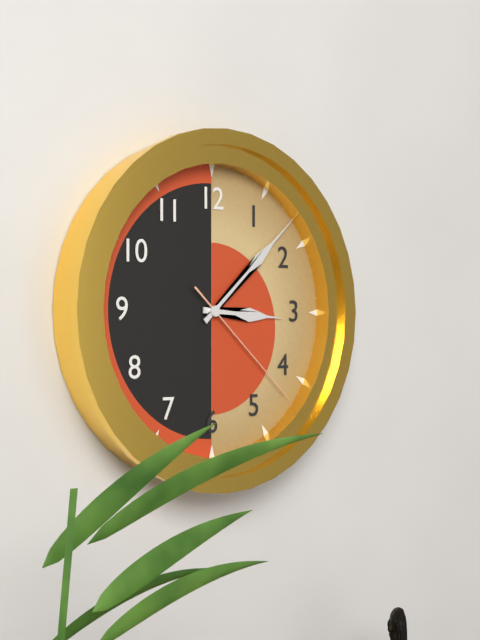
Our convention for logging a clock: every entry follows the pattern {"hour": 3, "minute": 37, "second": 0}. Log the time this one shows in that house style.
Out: {"hour": 3, "minute": 8, "second": 22}
